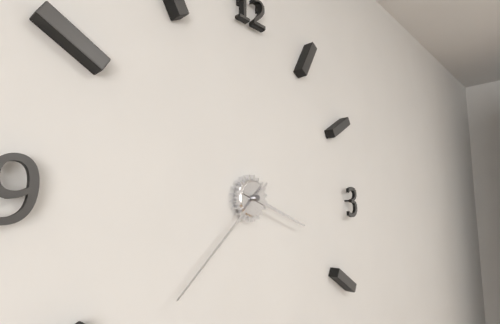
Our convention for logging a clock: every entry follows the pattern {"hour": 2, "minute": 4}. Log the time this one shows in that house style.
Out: {"hour": 3, "minute": 38}
